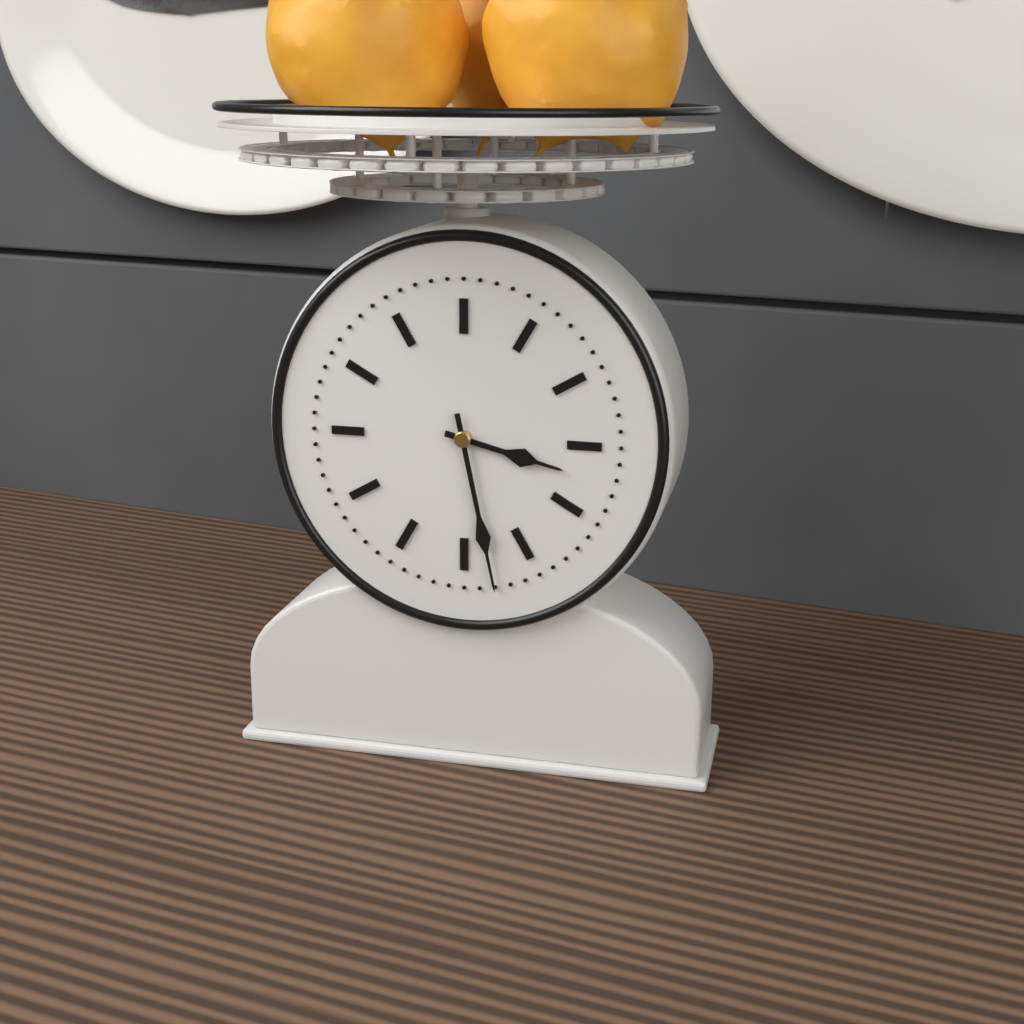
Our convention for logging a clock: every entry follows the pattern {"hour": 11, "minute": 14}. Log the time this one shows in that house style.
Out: {"hour": 3, "minute": 28}
